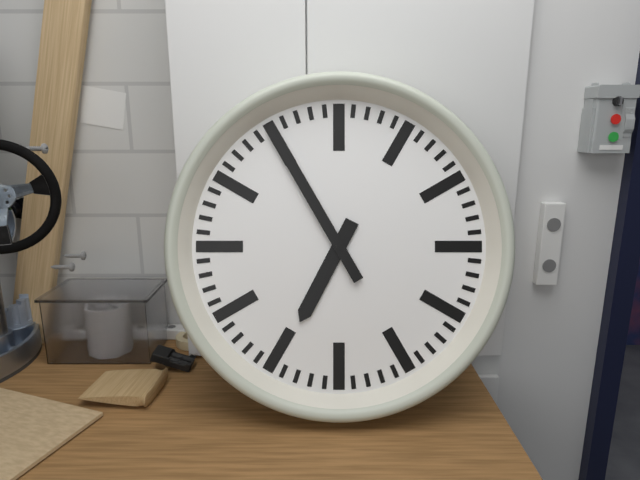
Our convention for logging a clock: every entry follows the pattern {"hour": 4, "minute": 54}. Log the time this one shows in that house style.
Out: {"hour": 6, "minute": 55}
